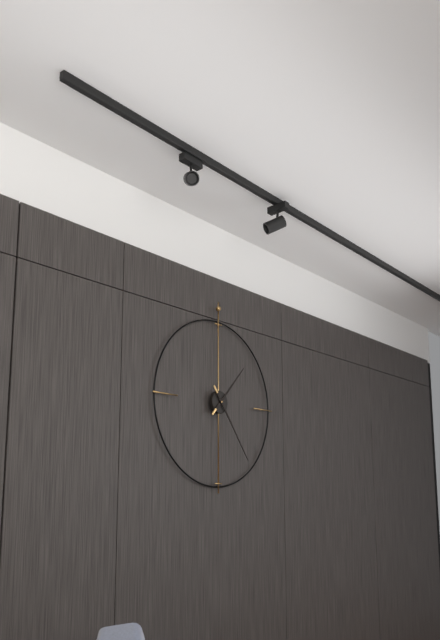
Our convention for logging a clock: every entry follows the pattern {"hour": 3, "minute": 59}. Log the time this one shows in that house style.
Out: {"hour": 1, "minute": 24}
